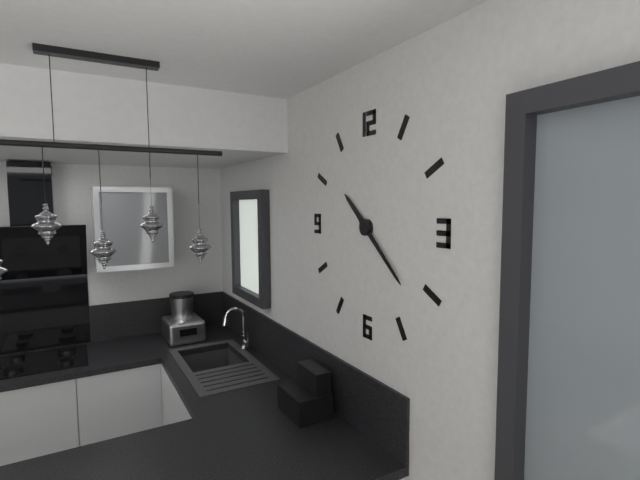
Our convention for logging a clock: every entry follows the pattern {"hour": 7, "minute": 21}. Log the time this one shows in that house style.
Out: {"hour": 10, "minute": 22}
